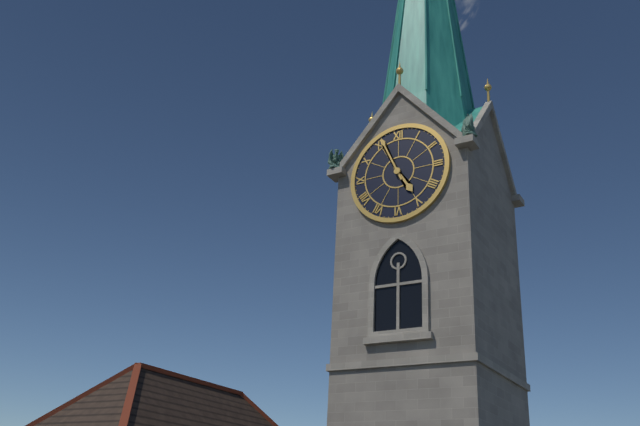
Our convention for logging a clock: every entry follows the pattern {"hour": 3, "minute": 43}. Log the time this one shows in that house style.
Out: {"hour": 4, "minute": 56}
